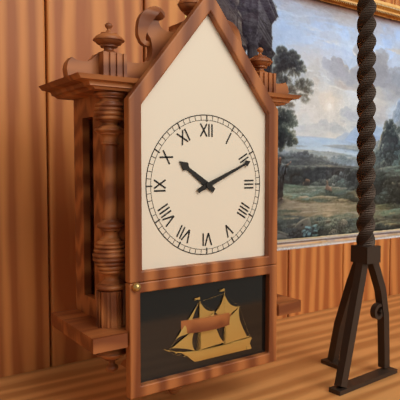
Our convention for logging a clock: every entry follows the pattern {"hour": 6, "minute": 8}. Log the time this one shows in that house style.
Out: {"hour": 10, "minute": 11}
